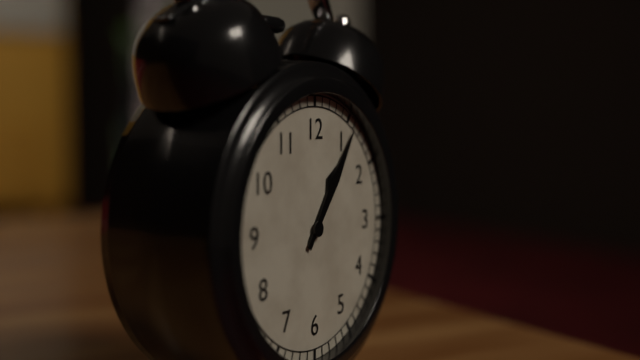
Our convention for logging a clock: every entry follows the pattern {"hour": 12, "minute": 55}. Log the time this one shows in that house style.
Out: {"hour": 1, "minute": 6}
